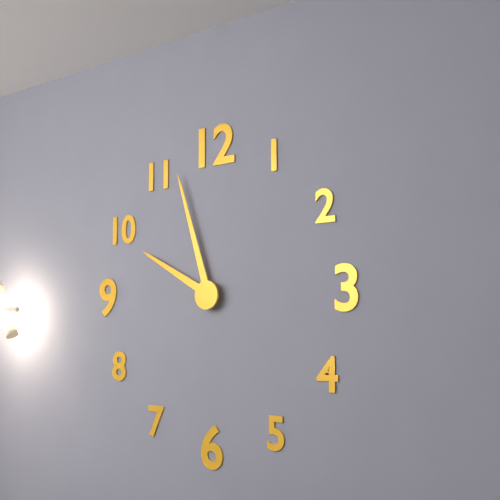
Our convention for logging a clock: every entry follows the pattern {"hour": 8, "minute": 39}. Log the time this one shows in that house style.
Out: {"hour": 9, "minute": 57}
